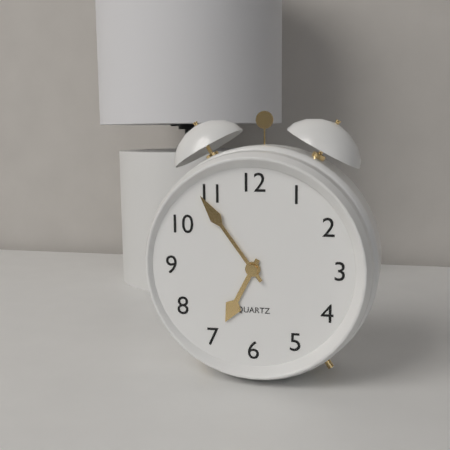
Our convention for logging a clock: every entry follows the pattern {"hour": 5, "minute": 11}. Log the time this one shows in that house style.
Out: {"hour": 6, "minute": 54}
